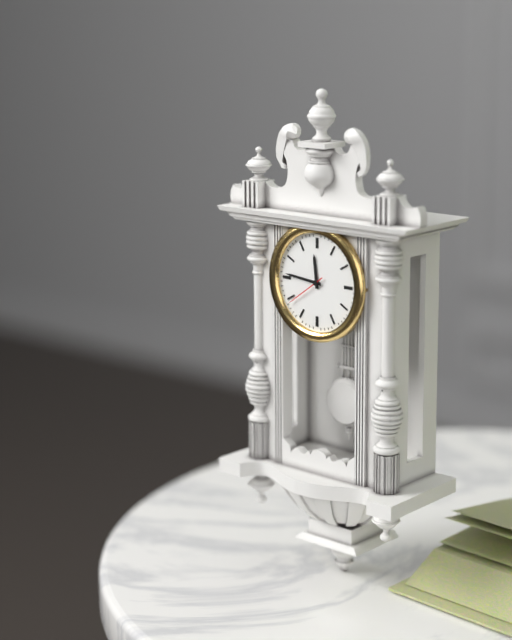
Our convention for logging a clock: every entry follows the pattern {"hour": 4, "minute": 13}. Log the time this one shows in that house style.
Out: {"hour": 11, "minute": 46}
